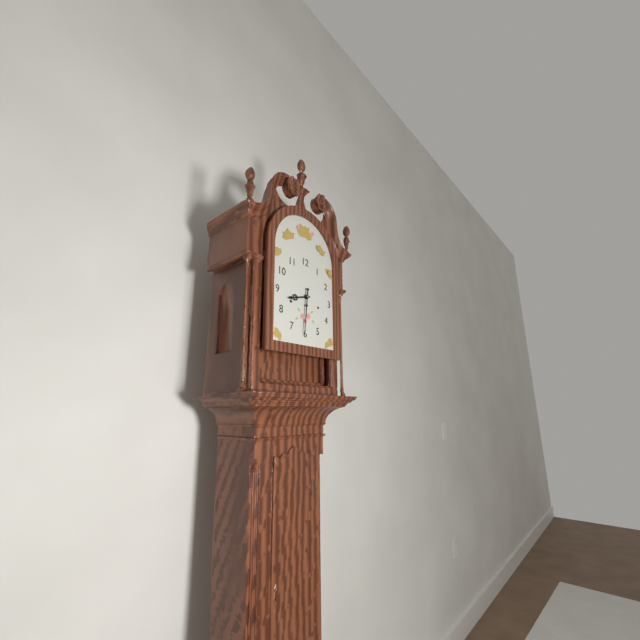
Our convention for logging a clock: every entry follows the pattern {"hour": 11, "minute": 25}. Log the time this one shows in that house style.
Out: {"hour": 8, "minute": 31}
